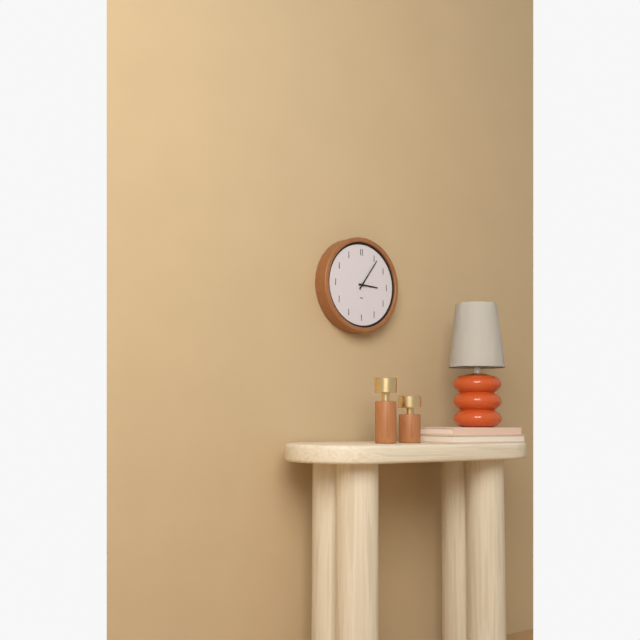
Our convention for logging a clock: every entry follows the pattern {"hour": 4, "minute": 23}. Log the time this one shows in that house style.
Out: {"hour": 3, "minute": 6}
